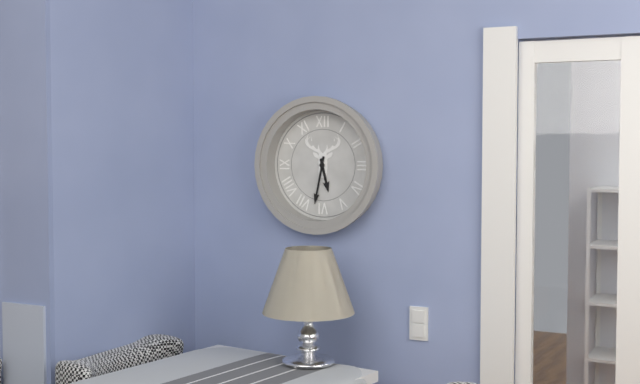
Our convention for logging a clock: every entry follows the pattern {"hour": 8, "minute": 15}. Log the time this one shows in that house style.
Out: {"hour": 5, "minute": 32}
